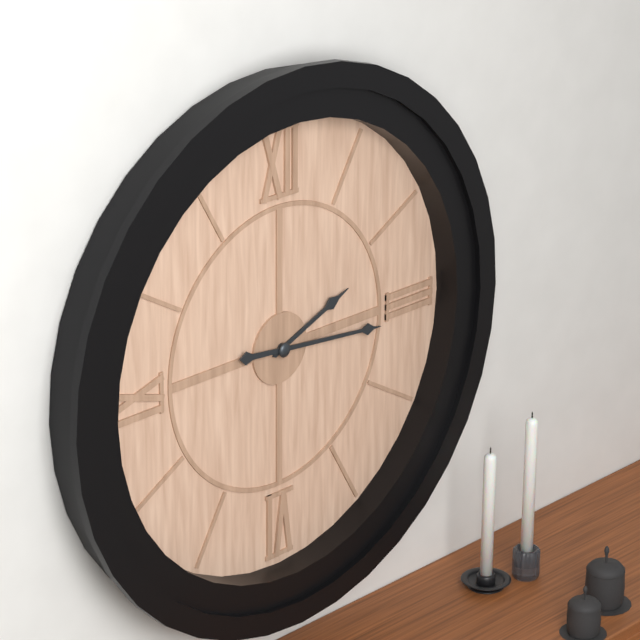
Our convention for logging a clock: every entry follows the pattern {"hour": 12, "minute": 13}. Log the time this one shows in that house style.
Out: {"hour": 2, "minute": 16}
